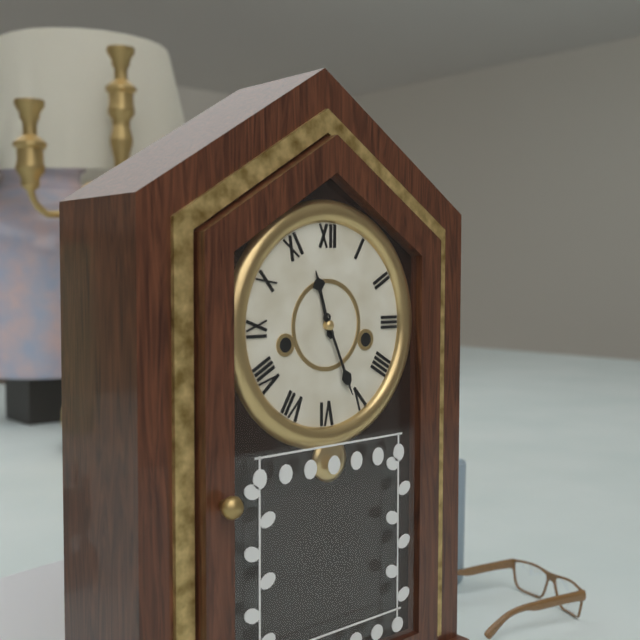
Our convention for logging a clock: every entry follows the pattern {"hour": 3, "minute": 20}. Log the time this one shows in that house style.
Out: {"hour": 11, "minute": 26}
